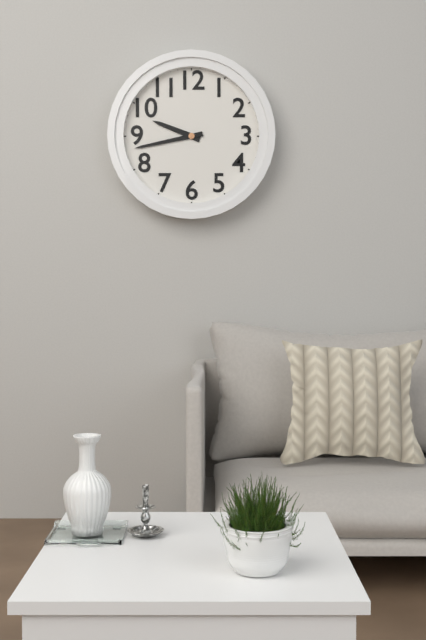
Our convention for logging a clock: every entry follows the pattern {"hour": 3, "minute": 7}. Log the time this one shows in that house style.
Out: {"hour": 9, "minute": 43}
